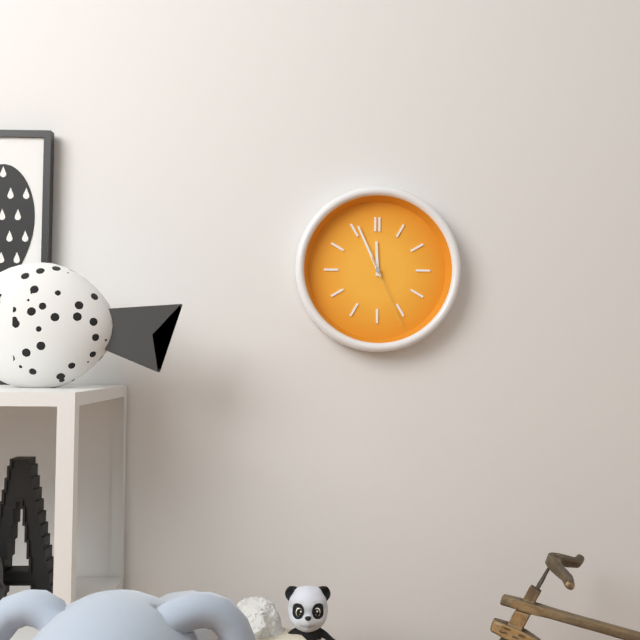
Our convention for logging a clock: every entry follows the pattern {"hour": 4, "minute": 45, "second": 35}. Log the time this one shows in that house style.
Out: {"hour": 11, "minute": 56, "second": 26}
